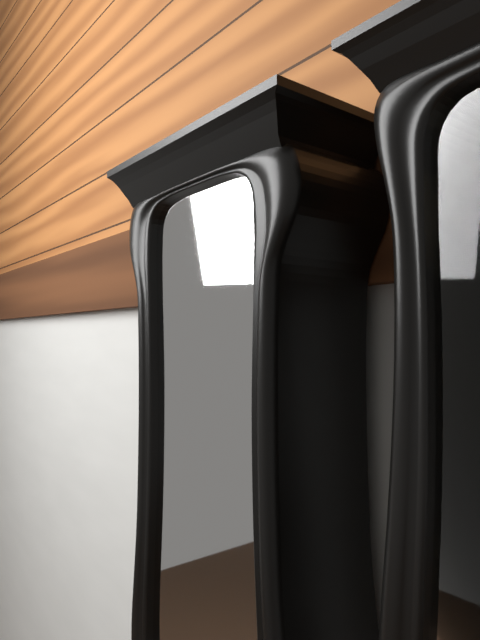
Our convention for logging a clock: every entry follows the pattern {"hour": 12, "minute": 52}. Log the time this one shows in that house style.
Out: {"hour": 8, "minute": 13}
